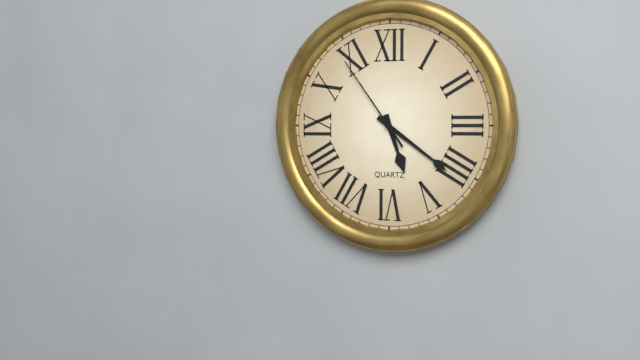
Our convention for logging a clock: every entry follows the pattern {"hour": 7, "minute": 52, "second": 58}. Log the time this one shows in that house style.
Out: {"hour": 5, "minute": 21, "second": 54}
